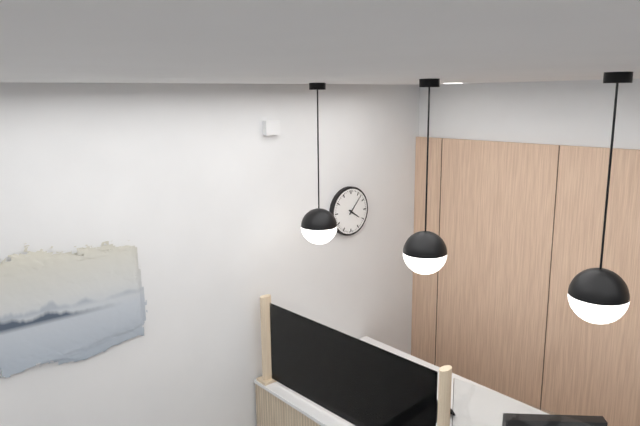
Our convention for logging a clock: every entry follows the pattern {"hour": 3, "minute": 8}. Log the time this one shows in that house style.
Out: {"hour": 4, "minute": 7}
